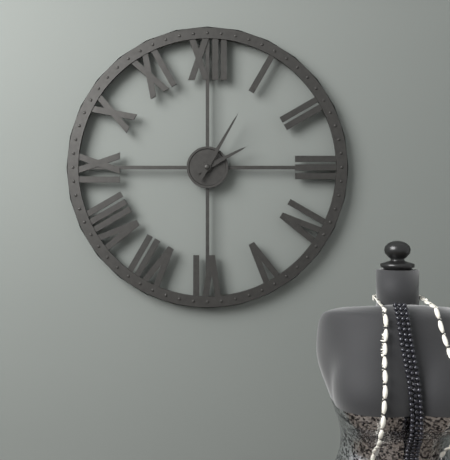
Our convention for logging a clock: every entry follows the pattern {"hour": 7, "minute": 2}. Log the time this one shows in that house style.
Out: {"hour": 2, "minute": 5}
